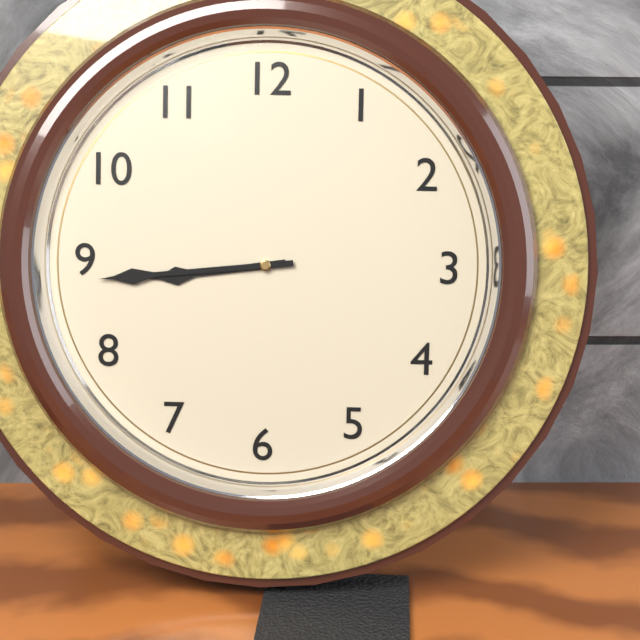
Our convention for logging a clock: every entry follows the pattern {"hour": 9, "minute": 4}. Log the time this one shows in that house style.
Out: {"hour": 8, "minute": 44}
